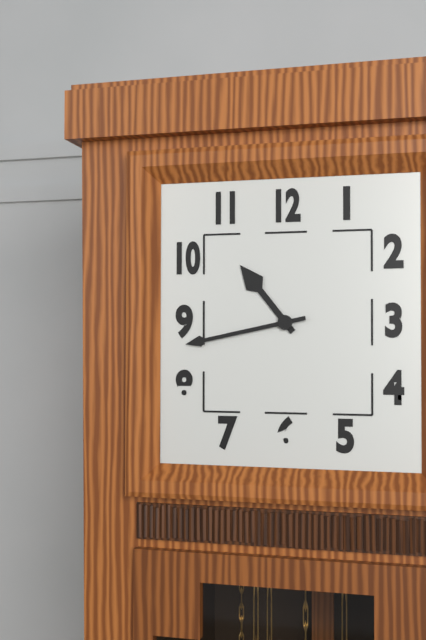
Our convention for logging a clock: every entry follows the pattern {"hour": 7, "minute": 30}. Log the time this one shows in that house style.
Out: {"hour": 10, "minute": 43}
